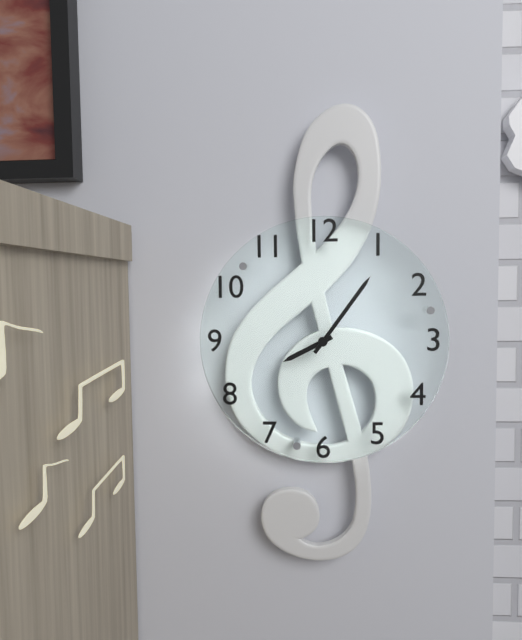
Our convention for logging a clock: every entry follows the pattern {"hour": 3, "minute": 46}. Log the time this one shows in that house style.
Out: {"hour": 8, "minute": 6}
